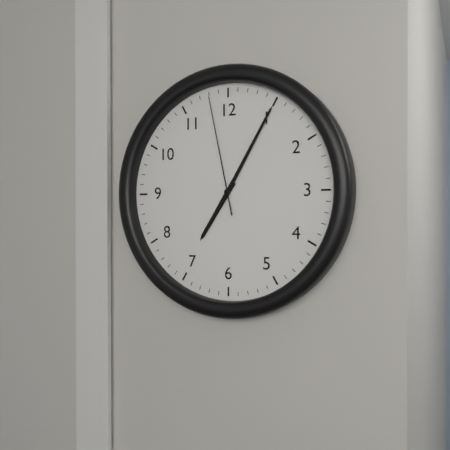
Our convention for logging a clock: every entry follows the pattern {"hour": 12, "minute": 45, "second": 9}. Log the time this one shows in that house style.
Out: {"hour": 7, "minute": 5, "second": 58}
